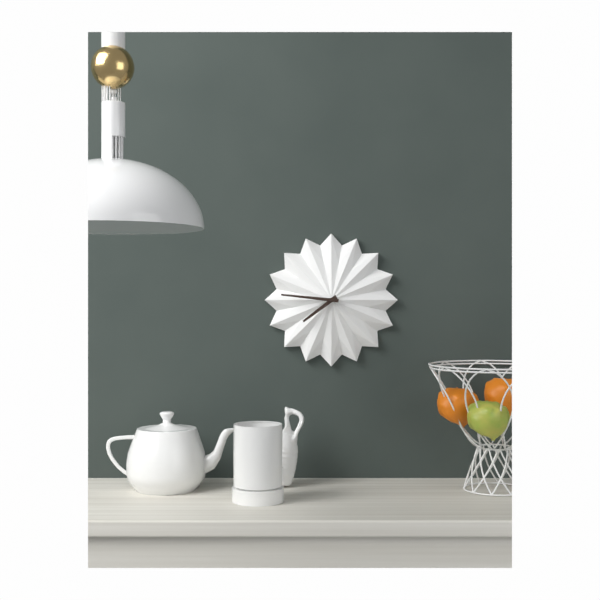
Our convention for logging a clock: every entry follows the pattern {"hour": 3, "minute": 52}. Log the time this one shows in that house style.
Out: {"hour": 7, "minute": 46}
